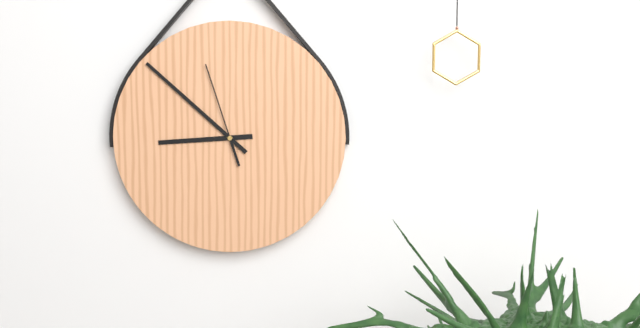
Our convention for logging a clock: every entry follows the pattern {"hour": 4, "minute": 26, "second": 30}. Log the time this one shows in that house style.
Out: {"hour": 8, "minute": 52, "second": 57}
